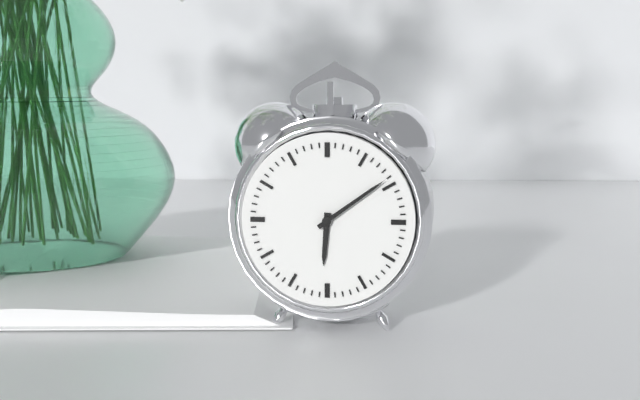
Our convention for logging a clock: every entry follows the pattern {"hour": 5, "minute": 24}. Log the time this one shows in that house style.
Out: {"hour": 6, "minute": 9}
